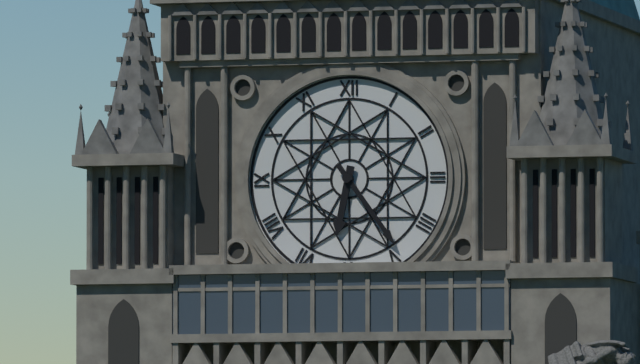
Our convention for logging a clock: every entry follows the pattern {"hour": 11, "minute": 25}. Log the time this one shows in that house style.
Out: {"hour": 6, "minute": 24}
